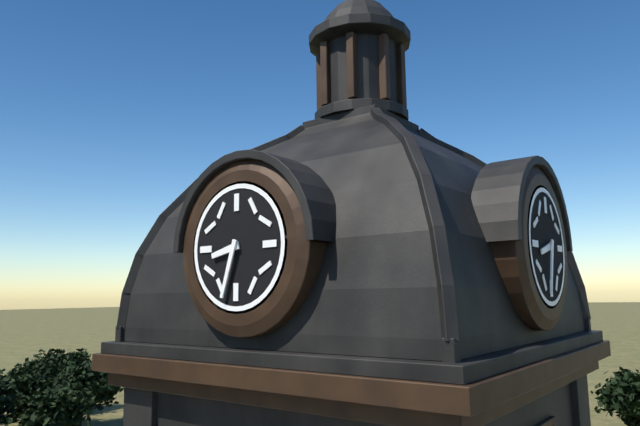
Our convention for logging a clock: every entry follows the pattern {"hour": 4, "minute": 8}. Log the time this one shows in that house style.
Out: {"hour": 8, "minute": 33}
